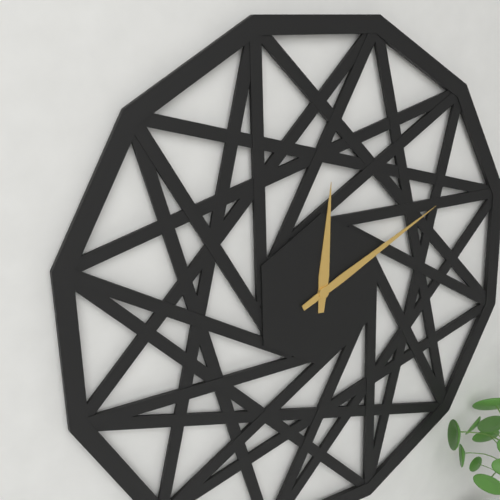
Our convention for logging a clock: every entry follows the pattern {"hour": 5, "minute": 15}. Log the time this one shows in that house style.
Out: {"hour": 12, "minute": 11}
